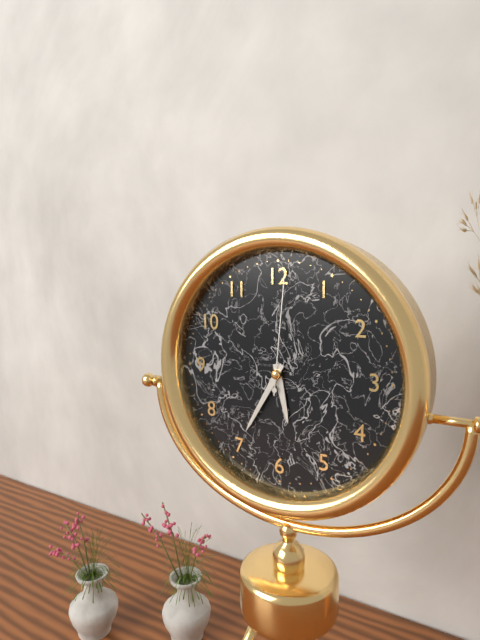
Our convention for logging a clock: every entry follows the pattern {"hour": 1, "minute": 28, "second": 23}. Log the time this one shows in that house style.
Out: {"hour": 5, "minute": 35, "second": 1}
